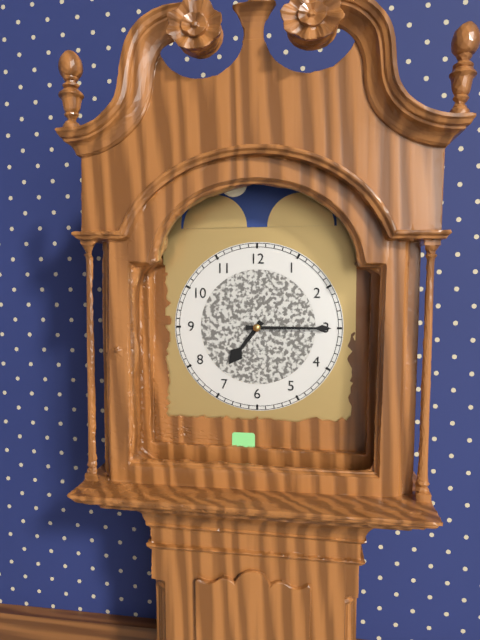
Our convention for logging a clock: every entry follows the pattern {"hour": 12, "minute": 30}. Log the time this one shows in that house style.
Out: {"hour": 7, "minute": 15}
